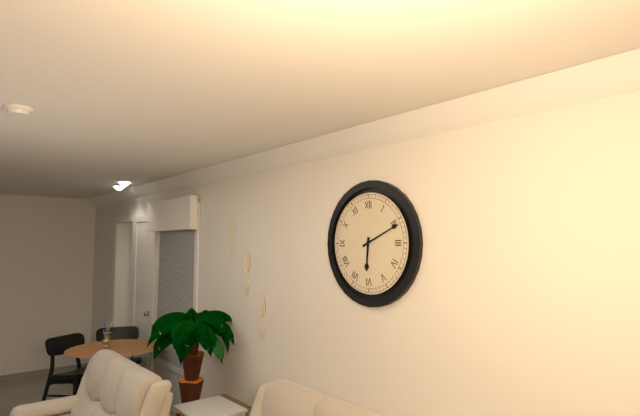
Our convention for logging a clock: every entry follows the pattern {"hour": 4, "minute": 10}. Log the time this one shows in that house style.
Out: {"hour": 6, "minute": 11}
